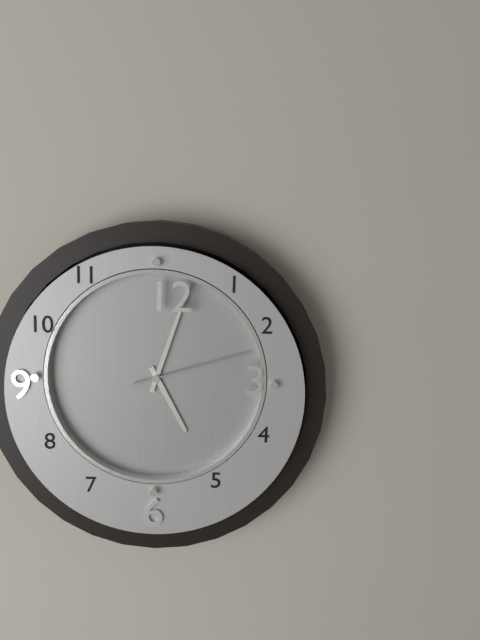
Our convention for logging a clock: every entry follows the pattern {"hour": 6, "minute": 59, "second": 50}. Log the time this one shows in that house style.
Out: {"hour": 5, "minute": 3, "second": 12}
